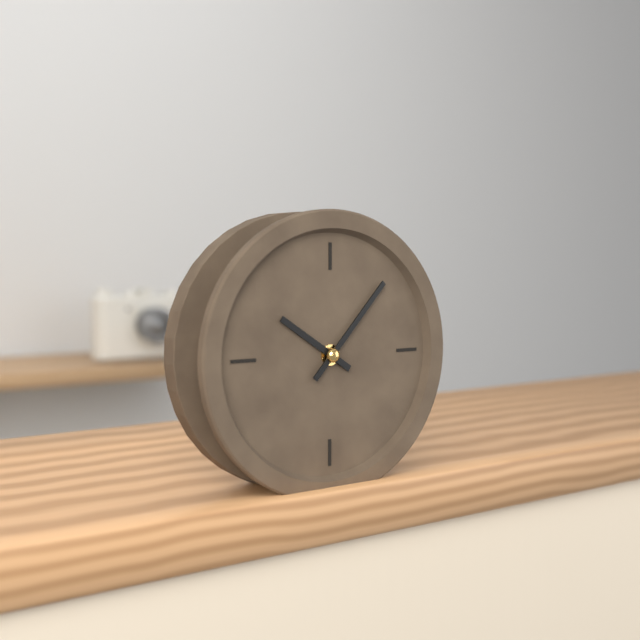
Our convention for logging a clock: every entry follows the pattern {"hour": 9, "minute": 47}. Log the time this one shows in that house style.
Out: {"hour": 10, "minute": 7}
